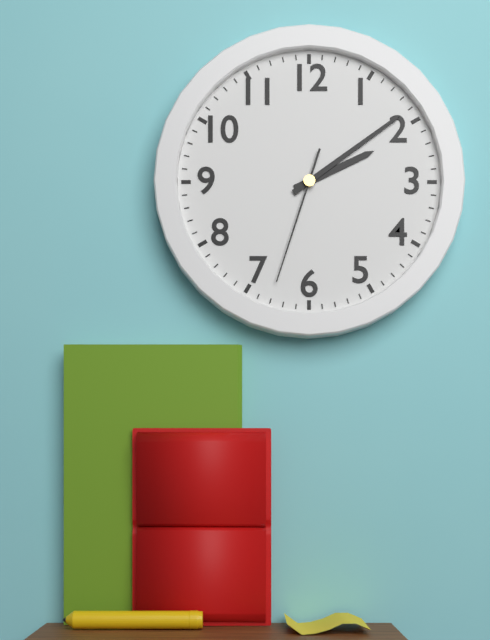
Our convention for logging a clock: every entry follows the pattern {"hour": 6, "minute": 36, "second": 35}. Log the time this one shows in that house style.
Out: {"hour": 2, "minute": 9, "second": 33}
